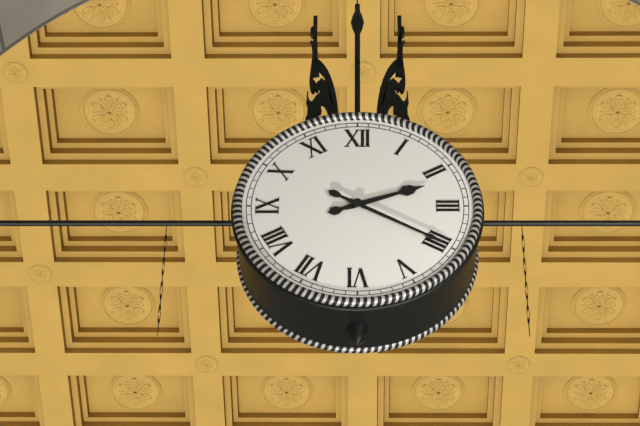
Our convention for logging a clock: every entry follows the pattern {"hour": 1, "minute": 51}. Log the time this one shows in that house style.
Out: {"hour": 2, "minute": 20}
